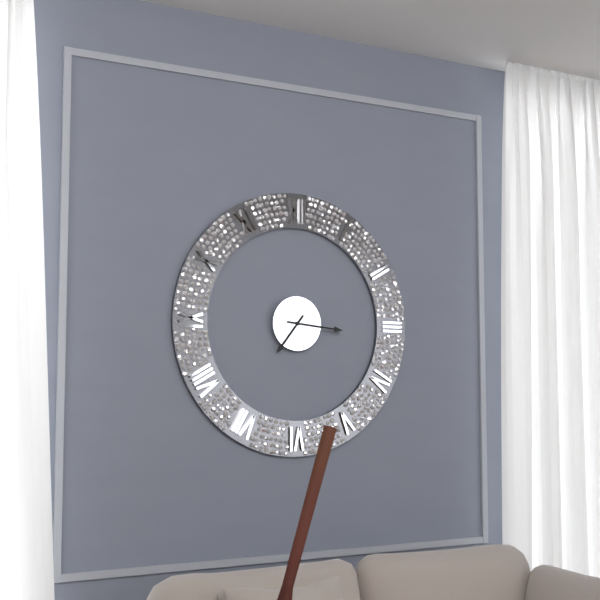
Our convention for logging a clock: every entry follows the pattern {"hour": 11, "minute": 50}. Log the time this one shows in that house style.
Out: {"hour": 7, "minute": 16}
